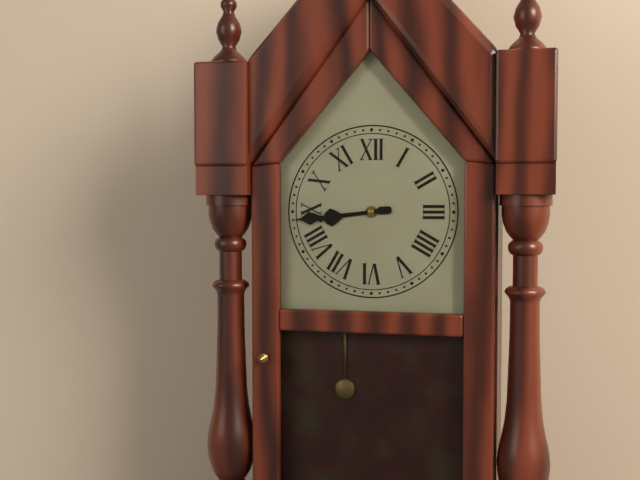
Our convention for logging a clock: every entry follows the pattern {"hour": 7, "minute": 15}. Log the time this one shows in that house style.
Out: {"hour": 8, "minute": 44}
